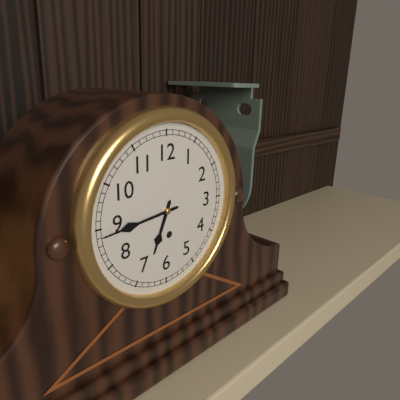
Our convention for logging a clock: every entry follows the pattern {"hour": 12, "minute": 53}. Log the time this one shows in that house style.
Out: {"hour": 6, "minute": 44}
